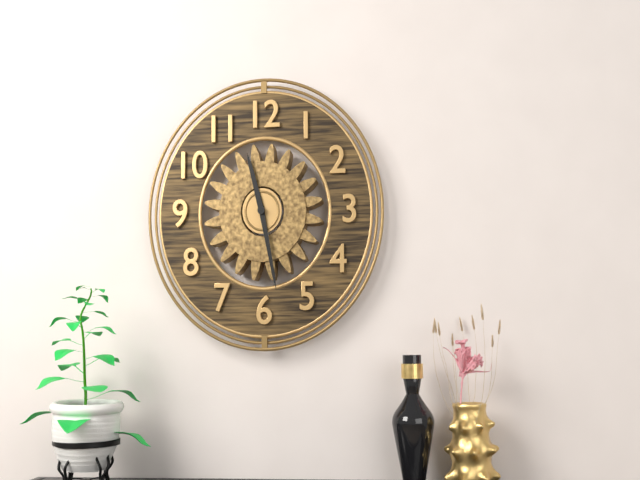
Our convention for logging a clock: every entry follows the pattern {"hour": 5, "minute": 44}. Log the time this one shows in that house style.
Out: {"hour": 11, "minute": 28}
